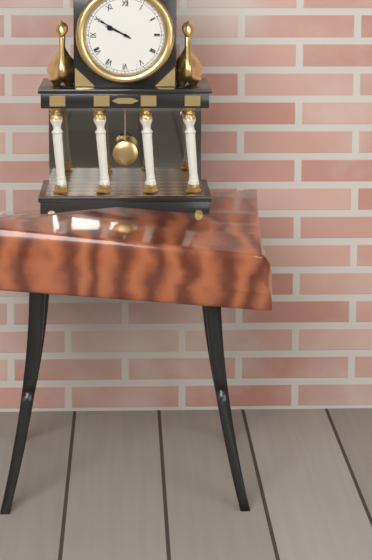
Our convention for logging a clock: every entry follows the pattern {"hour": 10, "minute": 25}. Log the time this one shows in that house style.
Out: {"hour": 9, "minute": 50}
